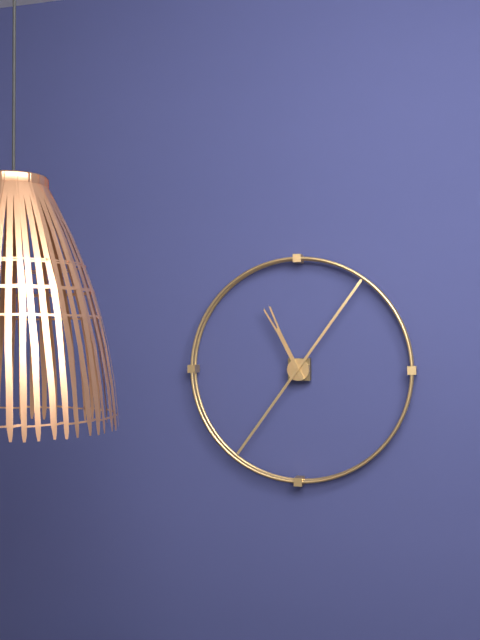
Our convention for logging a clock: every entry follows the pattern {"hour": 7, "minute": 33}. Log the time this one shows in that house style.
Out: {"hour": 11, "minute": 6}
